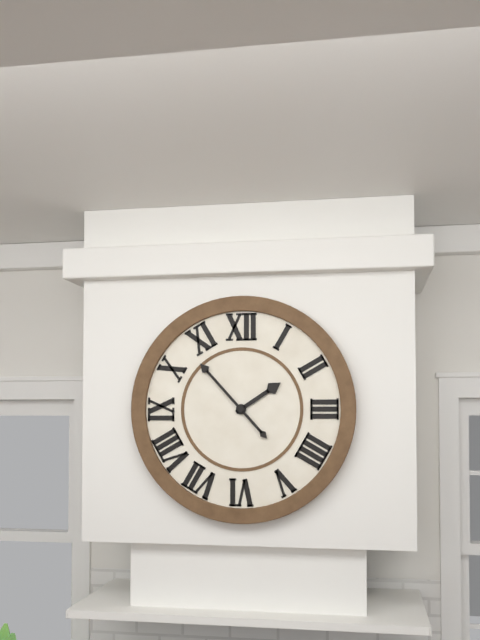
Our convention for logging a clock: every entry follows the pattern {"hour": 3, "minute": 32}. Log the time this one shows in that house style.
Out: {"hour": 1, "minute": 53}
